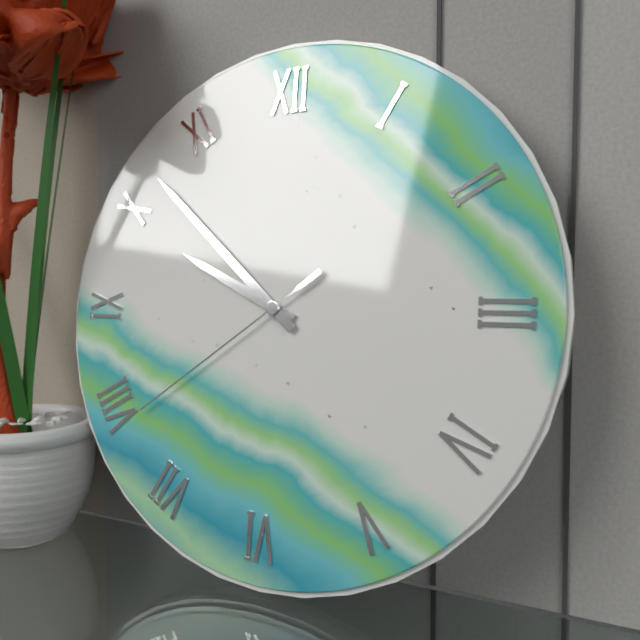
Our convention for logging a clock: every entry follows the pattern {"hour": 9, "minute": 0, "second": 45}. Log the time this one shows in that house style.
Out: {"hour": 9, "minute": 52, "second": 39}
